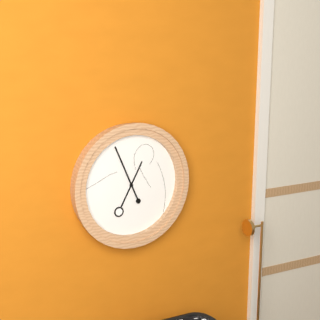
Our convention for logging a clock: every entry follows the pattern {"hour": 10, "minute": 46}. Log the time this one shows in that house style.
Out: {"hour": 12, "minute": 56}
